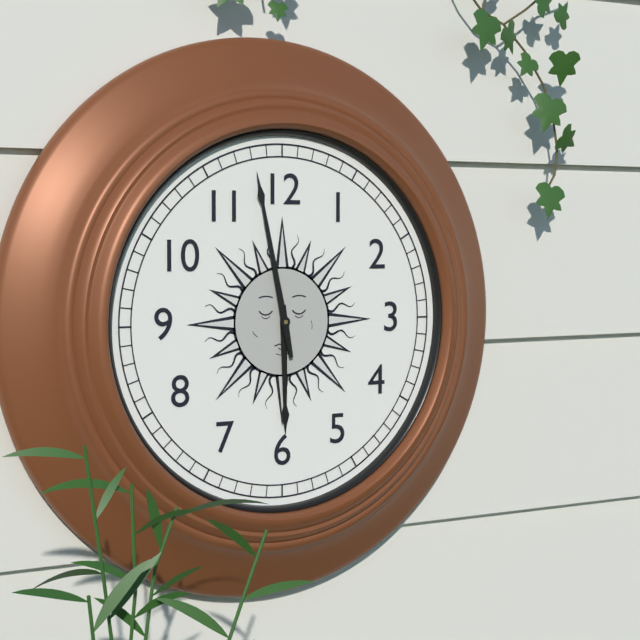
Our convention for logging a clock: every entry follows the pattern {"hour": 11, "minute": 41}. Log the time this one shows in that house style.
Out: {"hour": 5, "minute": 58}
